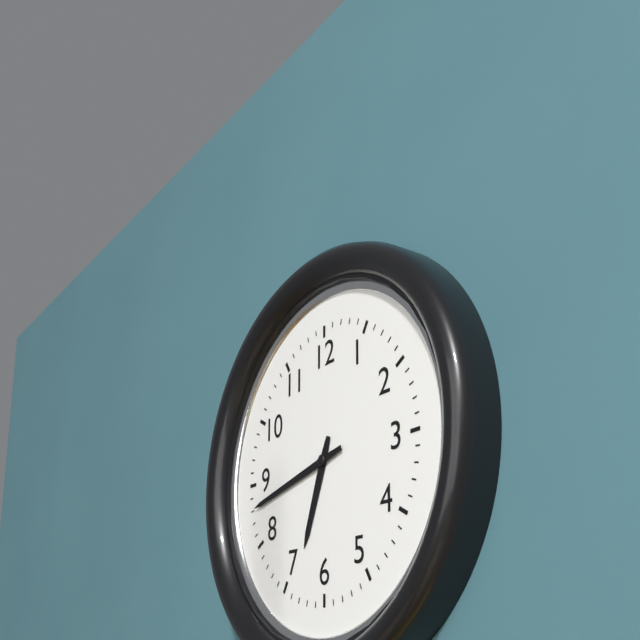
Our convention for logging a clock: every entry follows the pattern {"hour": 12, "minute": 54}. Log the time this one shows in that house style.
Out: {"hour": 6, "minute": 43}
